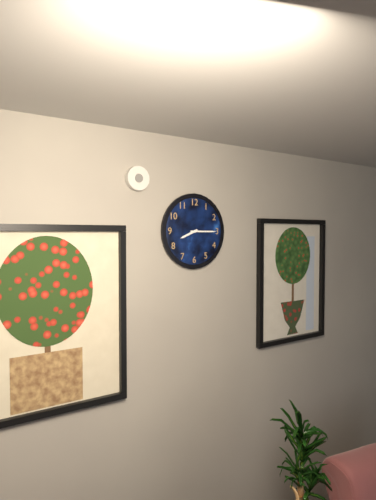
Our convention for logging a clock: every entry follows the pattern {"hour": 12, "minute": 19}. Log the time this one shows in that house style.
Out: {"hour": 8, "minute": 15}
